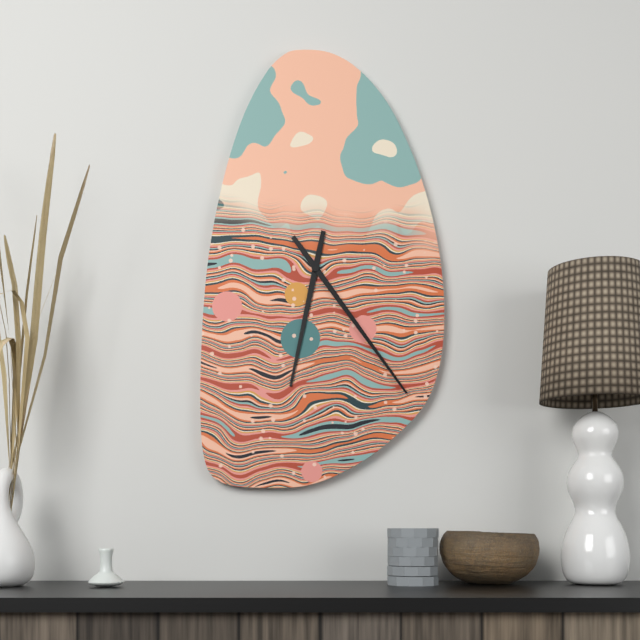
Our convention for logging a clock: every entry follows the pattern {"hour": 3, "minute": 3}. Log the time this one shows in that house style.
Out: {"hour": 6, "minute": 24}
